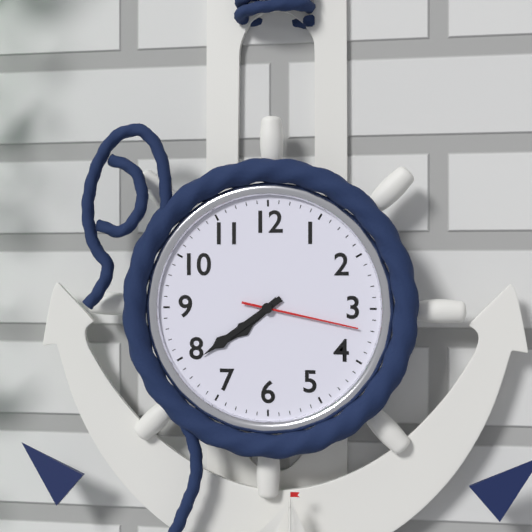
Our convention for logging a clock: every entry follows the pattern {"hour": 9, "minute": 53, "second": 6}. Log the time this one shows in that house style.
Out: {"hour": 7, "minute": 39, "second": 17}
